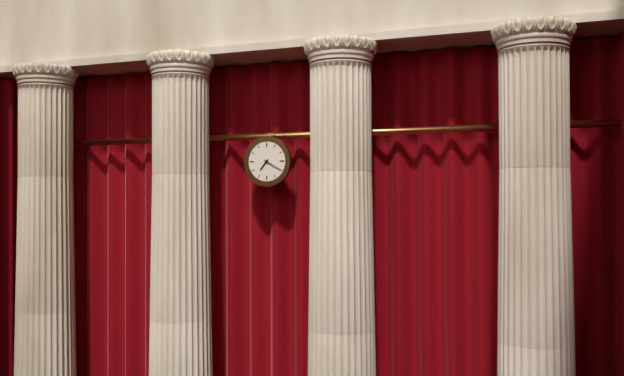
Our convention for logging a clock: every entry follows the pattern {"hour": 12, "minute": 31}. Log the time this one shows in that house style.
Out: {"hour": 7, "minute": 20}
